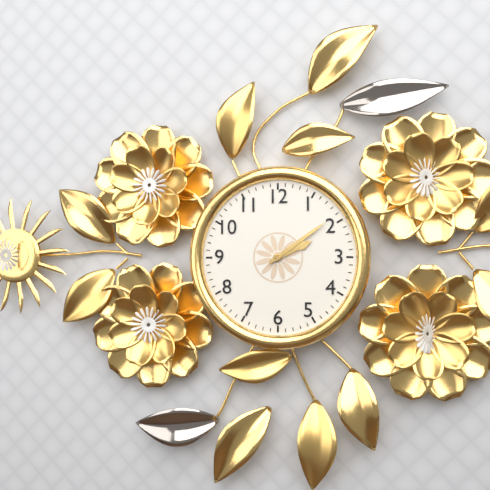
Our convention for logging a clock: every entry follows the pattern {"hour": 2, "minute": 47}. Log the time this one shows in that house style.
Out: {"hour": 2, "minute": 9}
